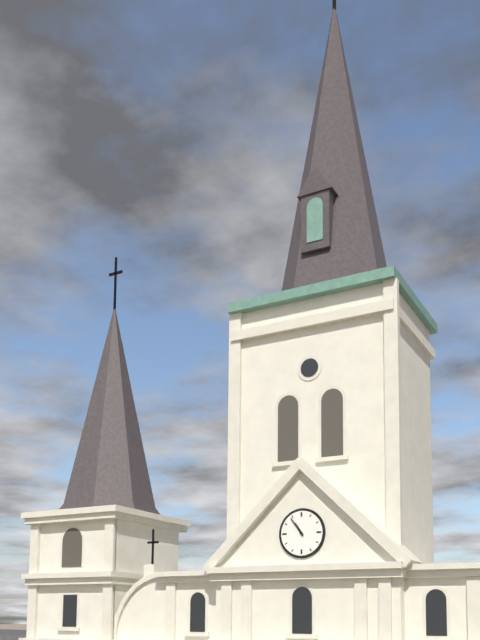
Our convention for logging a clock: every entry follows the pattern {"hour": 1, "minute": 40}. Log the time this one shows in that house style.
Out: {"hour": 10, "minute": 54}
